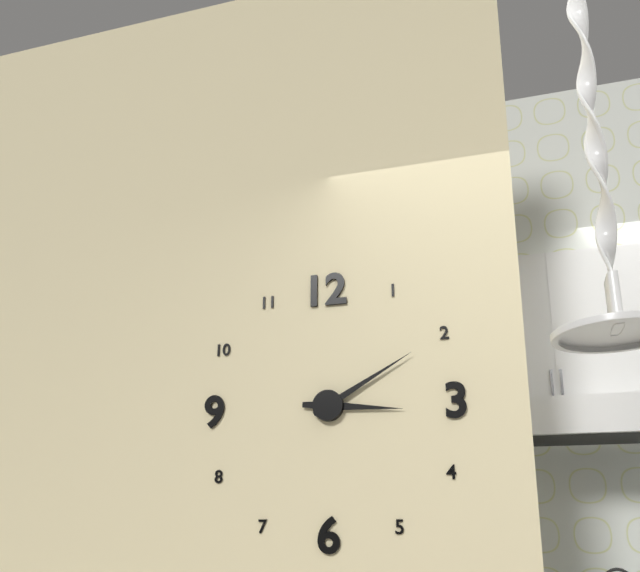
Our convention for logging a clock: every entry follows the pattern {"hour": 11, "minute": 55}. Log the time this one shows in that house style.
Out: {"hour": 3, "minute": 10}
